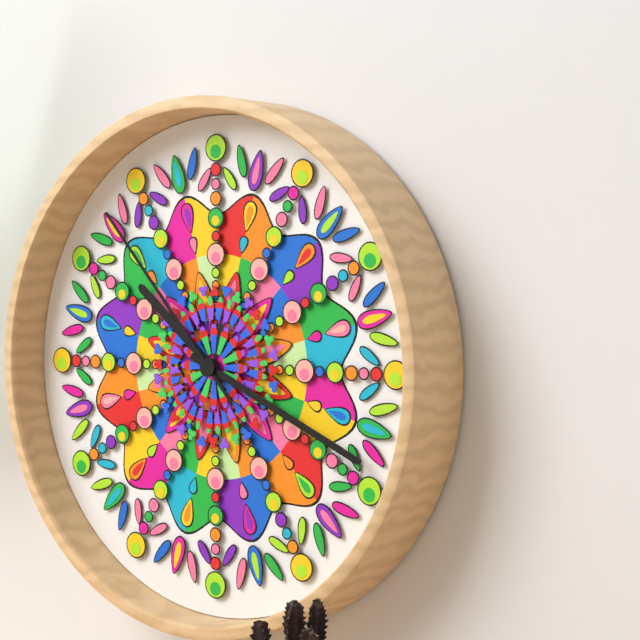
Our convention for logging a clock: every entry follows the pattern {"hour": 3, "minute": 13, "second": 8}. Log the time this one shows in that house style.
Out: {"hour": 10, "minute": 19, "second": 53}
